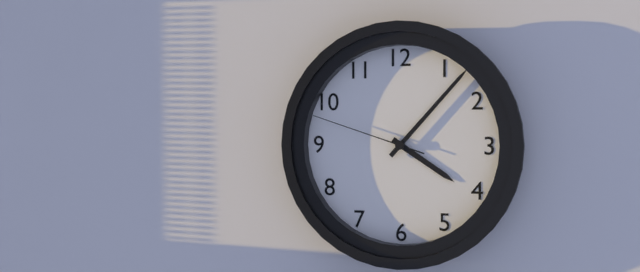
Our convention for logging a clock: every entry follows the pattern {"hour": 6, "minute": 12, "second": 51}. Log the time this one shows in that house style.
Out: {"hour": 4, "minute": 7, "second": 48}
